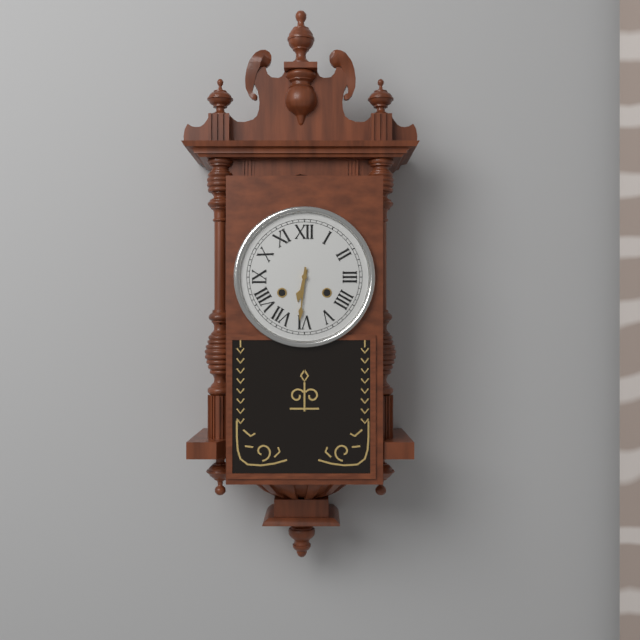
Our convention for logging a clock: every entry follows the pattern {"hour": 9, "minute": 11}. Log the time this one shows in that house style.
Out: {"hour": 6, "minute": 31}
